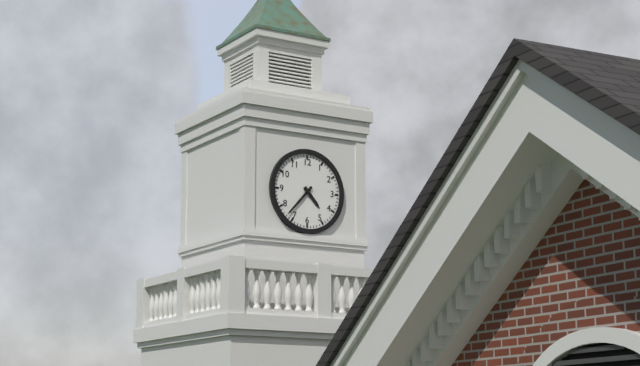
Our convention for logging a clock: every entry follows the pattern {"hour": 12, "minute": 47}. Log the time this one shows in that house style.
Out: {"hour": 4, "minute": 37}
